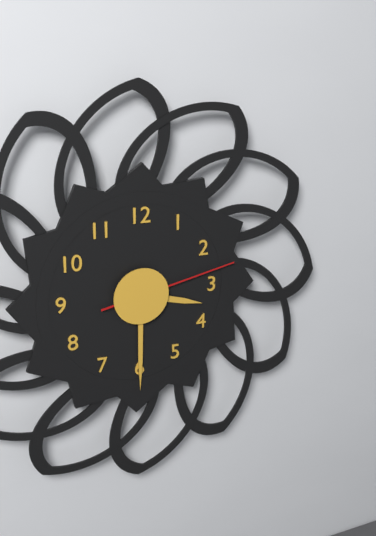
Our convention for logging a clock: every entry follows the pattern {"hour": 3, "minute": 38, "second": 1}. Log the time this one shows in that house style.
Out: {"hour": 3, "minute": 30, "second": 13}
